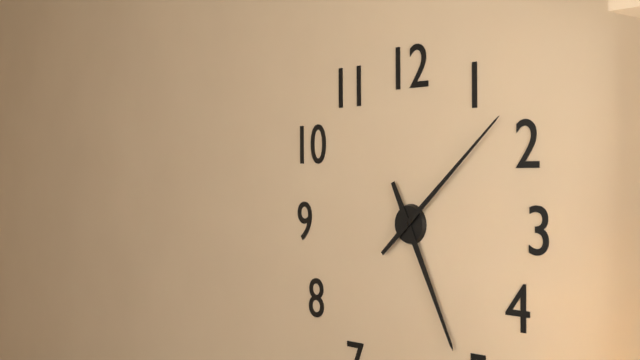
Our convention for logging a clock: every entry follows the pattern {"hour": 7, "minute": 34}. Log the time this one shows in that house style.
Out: {"hour": 5, "minute": 8}
